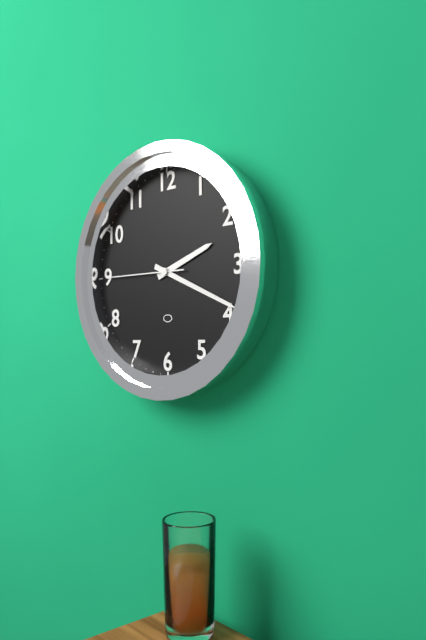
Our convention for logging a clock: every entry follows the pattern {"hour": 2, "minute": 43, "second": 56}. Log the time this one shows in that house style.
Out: {"hour": 2, "minute": 19, "second": 45}
